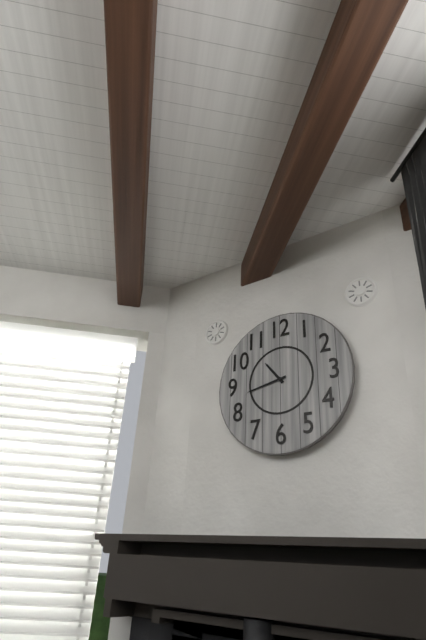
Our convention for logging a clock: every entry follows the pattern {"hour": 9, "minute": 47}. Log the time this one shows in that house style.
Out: {"hour": 10, "minute": 43}
